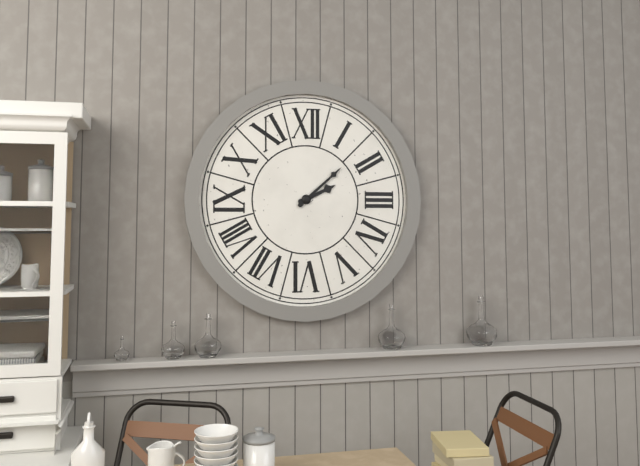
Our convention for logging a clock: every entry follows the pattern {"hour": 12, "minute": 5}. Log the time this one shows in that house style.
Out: {"hour": 2, "minute": 8}
